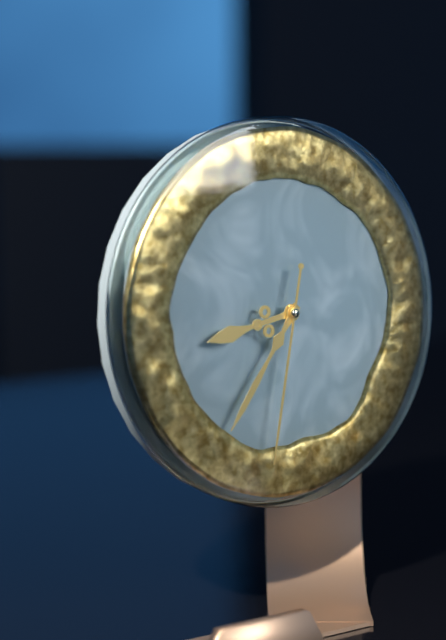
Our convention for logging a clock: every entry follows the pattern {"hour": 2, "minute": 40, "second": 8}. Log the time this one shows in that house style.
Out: {"hour": 8, "minute": 36, "second": 32}
